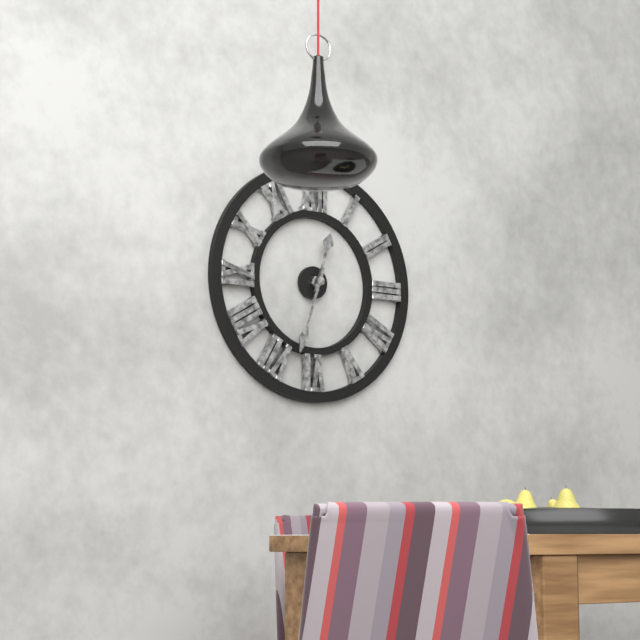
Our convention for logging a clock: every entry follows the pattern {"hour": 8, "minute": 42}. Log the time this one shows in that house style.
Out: {"hour": 12, "minute": 33}
